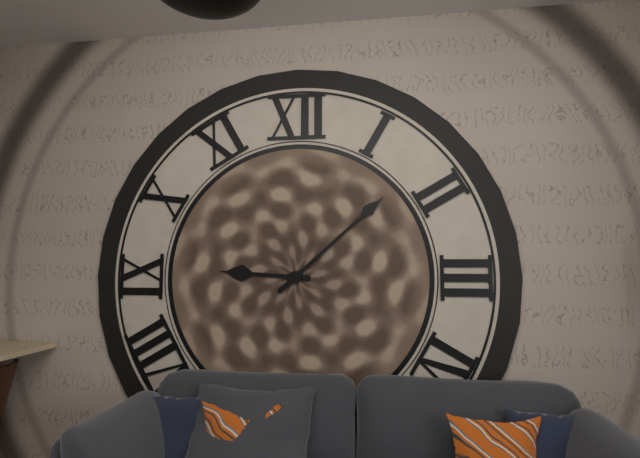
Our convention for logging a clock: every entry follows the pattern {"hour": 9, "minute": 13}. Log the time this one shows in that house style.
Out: {"hour": 9, "minute": 8}
